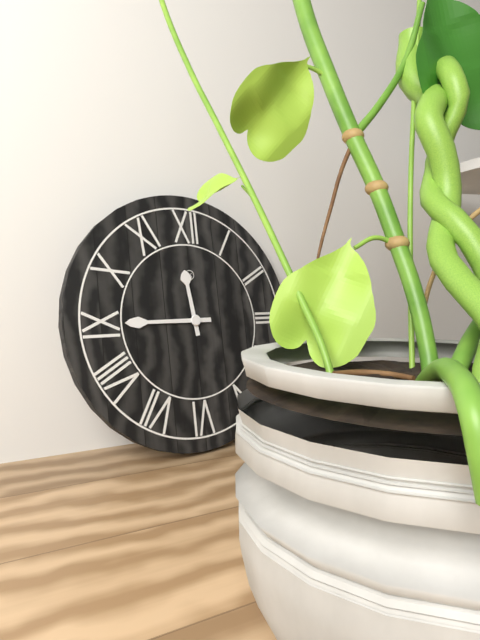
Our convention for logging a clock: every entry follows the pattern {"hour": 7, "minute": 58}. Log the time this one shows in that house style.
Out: {"hour": 11, "minute": 45}
